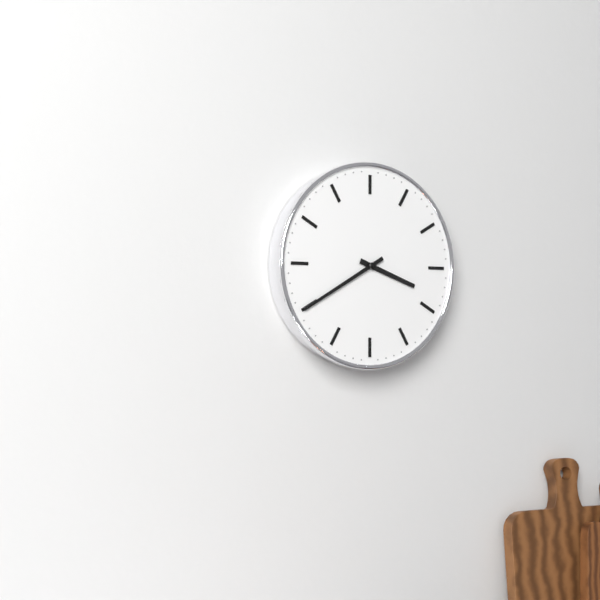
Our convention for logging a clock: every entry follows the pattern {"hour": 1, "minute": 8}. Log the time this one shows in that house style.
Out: {"hour": 3, "minute": 40}
